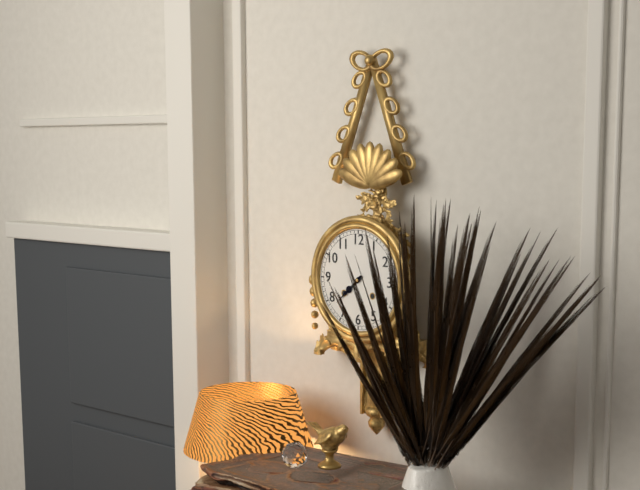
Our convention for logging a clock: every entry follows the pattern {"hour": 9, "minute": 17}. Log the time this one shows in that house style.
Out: {"hour": 7, "minute": 38}
